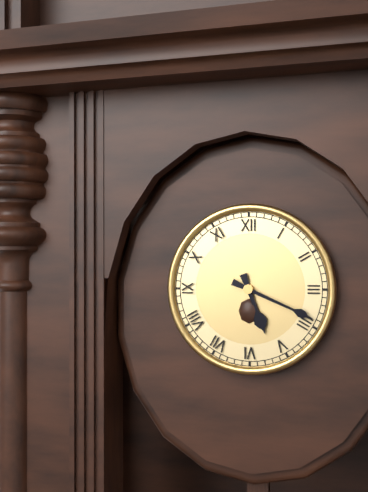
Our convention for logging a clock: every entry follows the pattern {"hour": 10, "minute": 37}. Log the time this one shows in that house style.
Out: {"hour": 5, "minute": 19}
